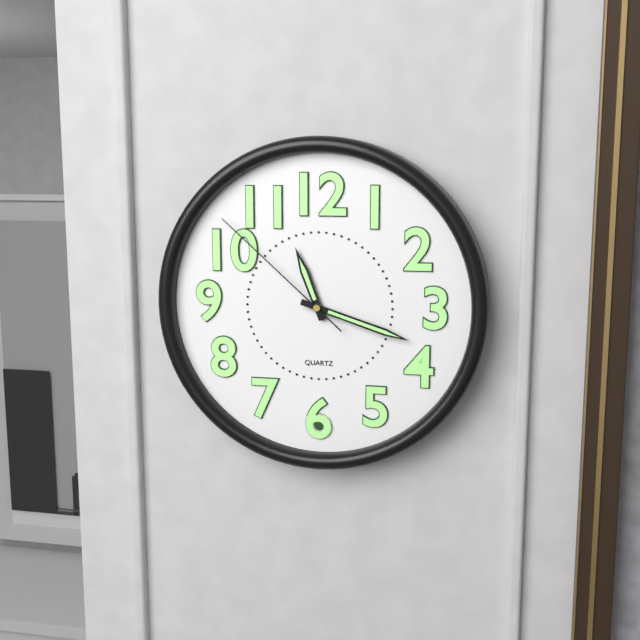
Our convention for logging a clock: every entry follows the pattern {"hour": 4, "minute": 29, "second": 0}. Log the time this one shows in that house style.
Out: {"hour": 11, "minute": 18, "second": 52}
